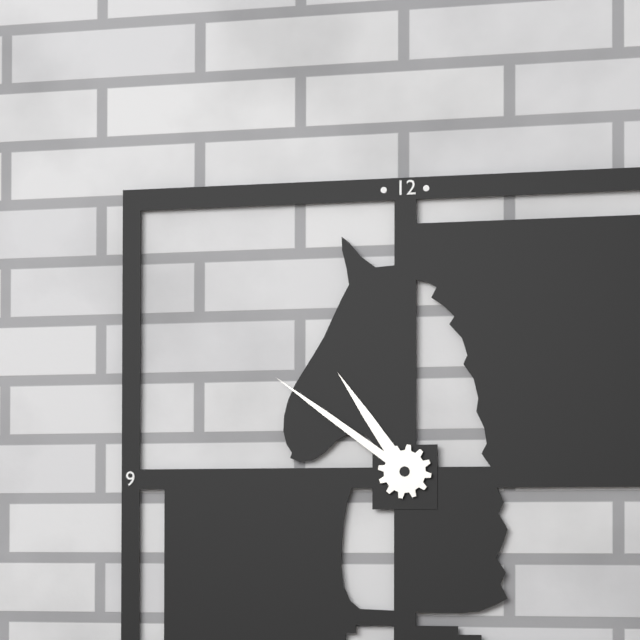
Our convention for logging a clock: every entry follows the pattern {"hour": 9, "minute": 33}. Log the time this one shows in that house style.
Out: {"hour": 10, "minute": 51}
